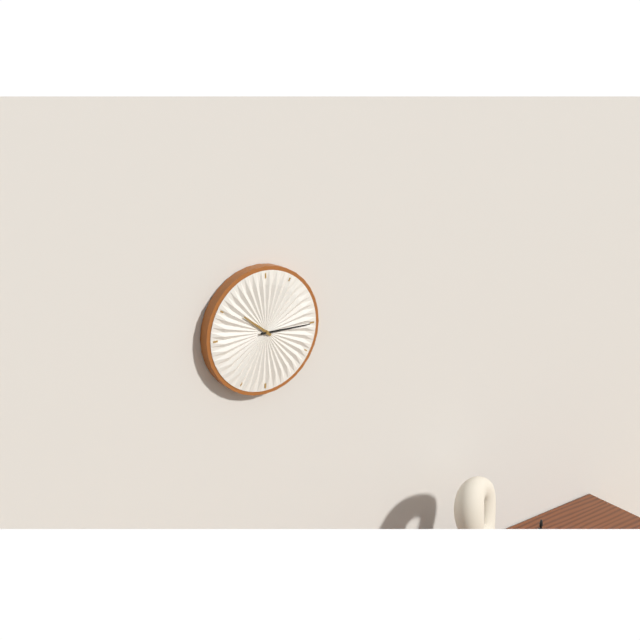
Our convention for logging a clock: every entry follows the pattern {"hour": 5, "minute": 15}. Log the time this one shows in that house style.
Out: {"hour": 10, "minute": 15}
